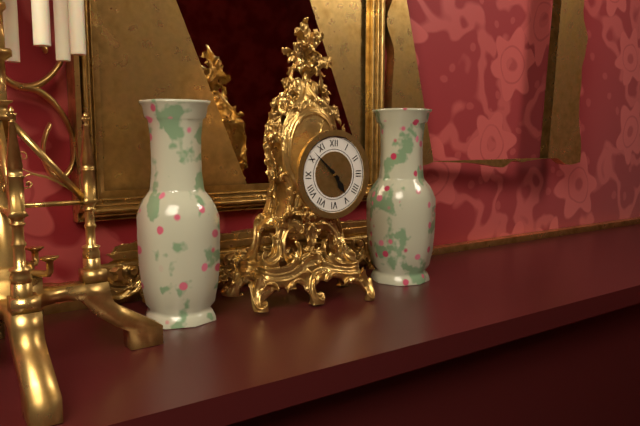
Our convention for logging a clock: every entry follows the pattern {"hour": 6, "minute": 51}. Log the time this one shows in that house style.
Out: {"hour": 4, "minute": 52}
